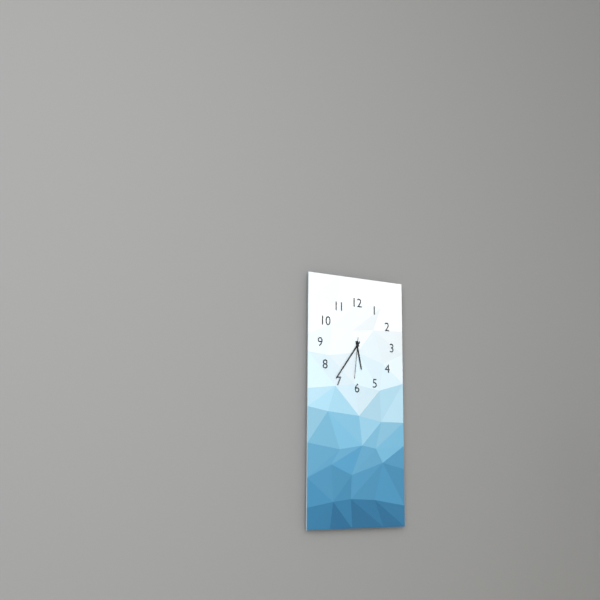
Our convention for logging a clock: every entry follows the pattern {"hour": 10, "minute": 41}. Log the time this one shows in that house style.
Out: {"hour": 5, "minute": 36}
